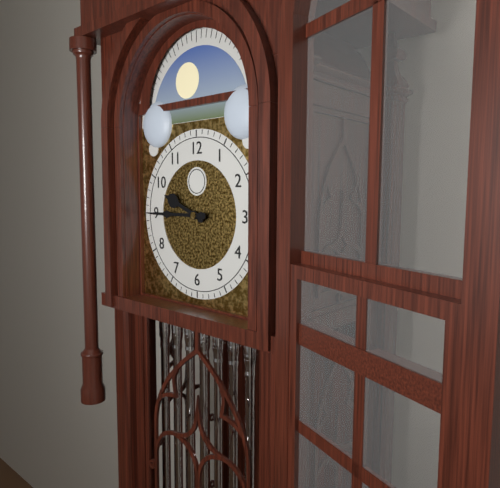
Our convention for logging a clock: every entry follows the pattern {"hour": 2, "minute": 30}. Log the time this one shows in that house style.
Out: {"hour": 9, "minute": 45}
